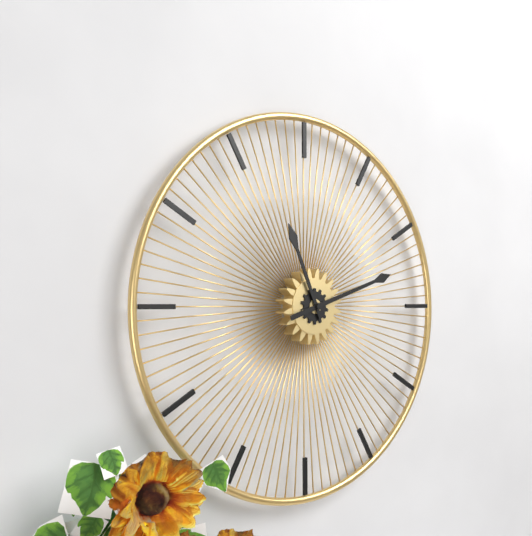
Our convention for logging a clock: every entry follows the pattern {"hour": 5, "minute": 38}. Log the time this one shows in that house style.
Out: {"hour": 11, "minute": 12}
